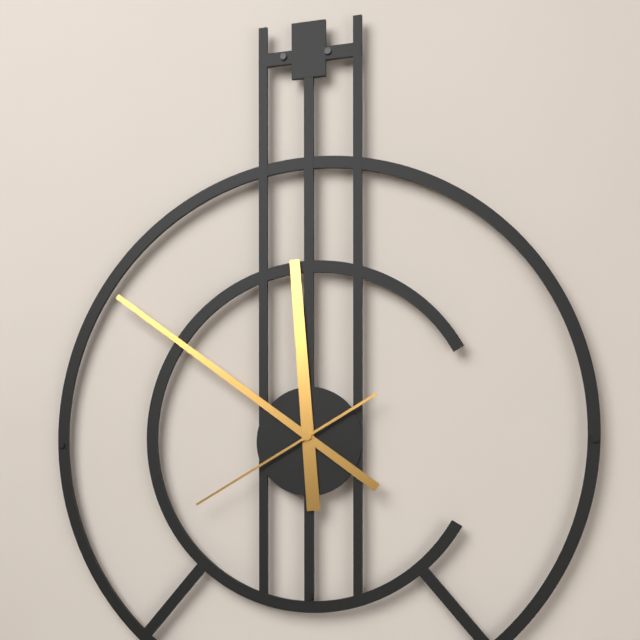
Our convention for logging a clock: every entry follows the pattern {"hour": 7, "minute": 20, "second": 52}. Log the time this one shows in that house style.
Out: {"hour": 11, "minute": 51, "second": 40}
